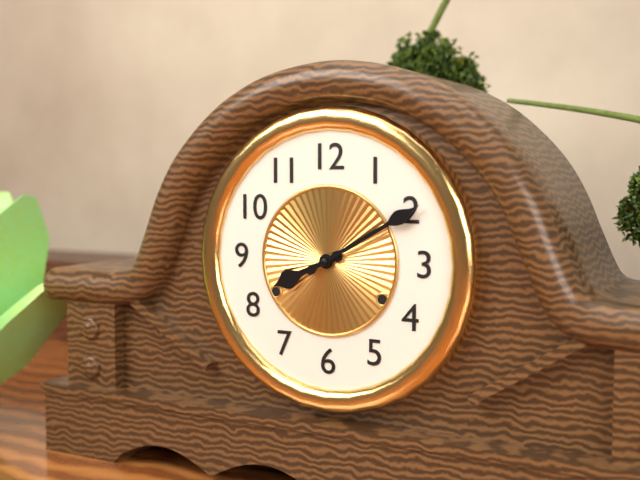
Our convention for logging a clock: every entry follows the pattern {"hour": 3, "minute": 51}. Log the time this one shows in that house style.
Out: {"hour": 8, "minute": 10}
